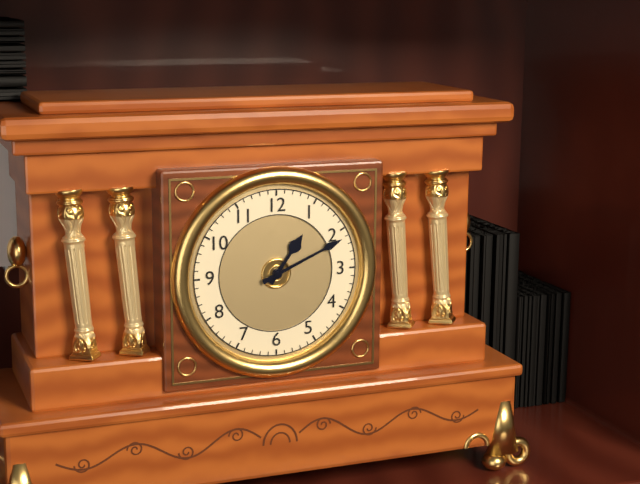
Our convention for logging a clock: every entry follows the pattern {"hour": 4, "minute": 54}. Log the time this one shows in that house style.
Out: {"hour": 1, "minute": 11}
